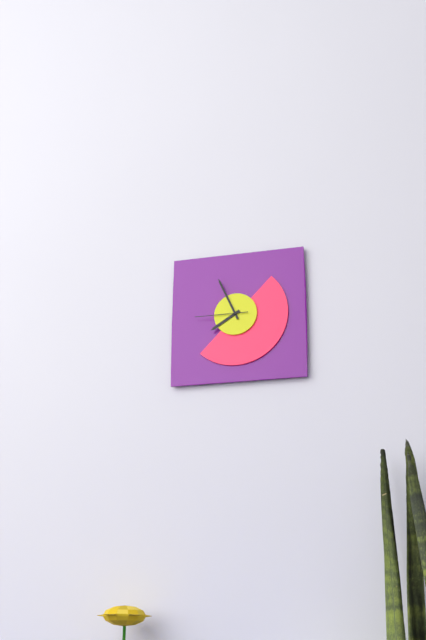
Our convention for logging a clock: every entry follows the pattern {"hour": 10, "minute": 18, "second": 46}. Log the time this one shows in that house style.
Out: {"hour": 7, "minute": 56, "second": 45}
